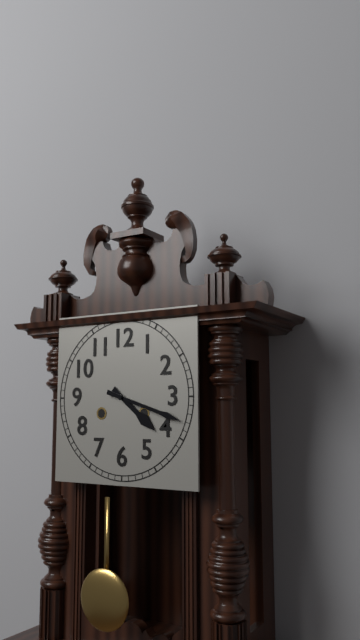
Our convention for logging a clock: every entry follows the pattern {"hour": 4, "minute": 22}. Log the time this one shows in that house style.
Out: {"hour": 4, "minute": 18}
